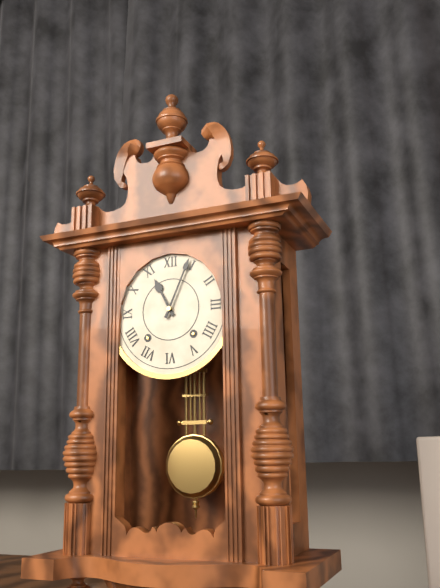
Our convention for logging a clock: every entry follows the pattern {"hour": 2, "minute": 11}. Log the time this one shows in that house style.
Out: {"hour": 11, "minute": 4}
